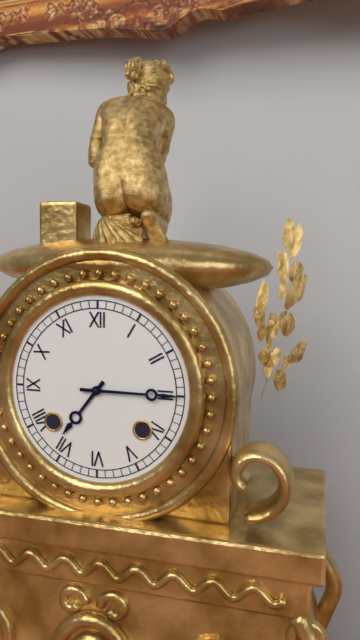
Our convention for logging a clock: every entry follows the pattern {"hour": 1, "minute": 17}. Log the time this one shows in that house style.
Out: {"hour": 7, "minute": 15}
